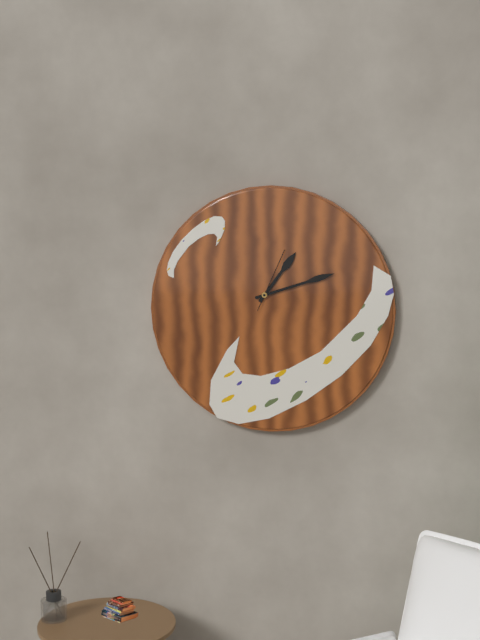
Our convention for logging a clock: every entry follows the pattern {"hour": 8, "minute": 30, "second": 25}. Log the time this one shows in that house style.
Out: {"hour": 1, "minute": 12, "second": 4}
